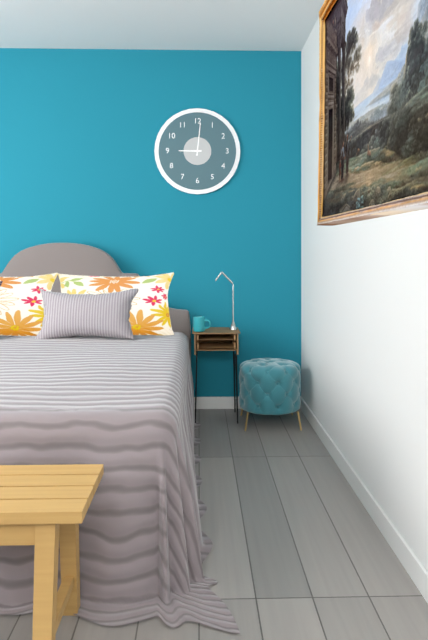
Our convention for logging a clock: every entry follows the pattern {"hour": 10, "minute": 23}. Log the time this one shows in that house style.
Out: {"hour": 9, "minute": 1}
